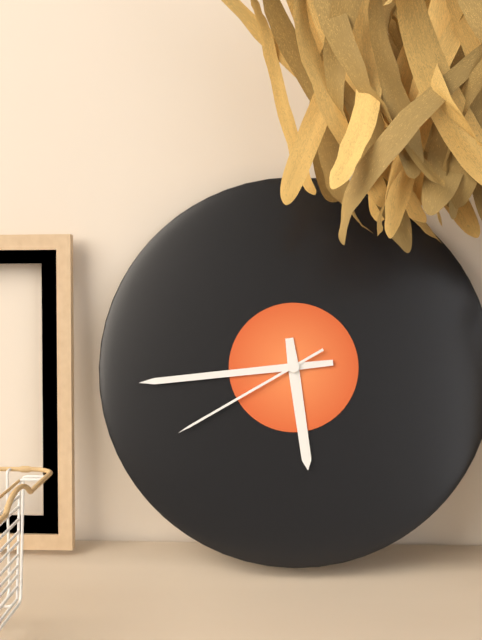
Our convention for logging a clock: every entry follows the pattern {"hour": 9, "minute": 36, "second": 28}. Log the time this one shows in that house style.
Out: {"hour": 5, "minute": 44, "second": 40}
